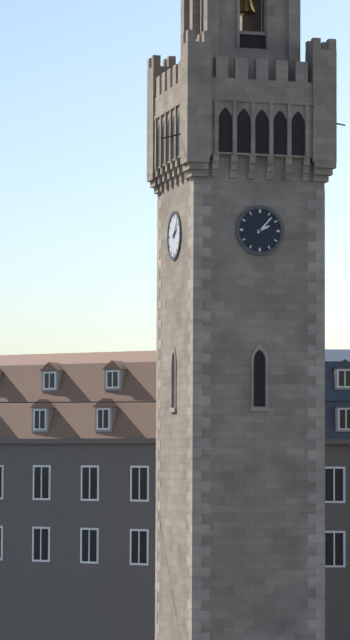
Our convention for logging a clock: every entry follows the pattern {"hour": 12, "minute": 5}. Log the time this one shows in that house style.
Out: {"hour": 2, "minute": 7}
